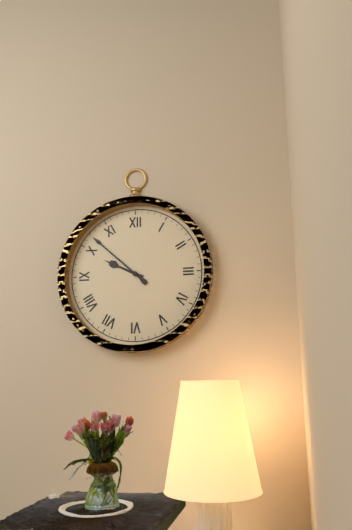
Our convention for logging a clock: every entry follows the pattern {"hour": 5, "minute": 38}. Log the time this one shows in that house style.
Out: {"hour": 9, "minute": 52}
